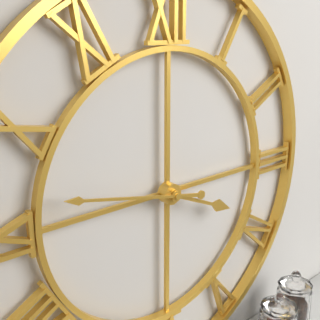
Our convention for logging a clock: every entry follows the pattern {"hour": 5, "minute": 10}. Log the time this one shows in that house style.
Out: {"hour": 3, "minute": 47}
